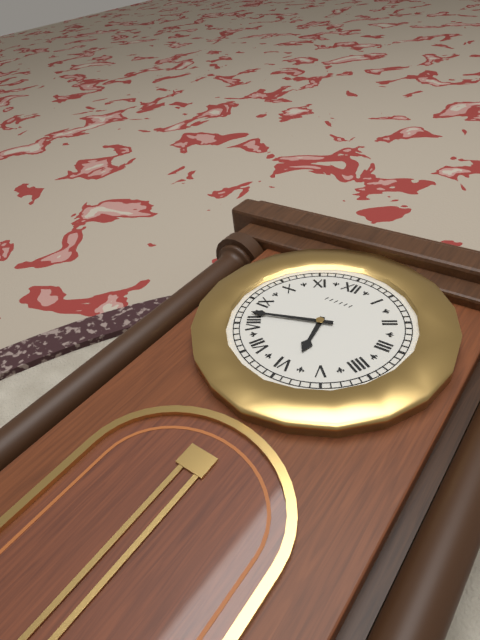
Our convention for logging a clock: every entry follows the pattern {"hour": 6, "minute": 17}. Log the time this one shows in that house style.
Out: {"hour": 5, "minute": 42}
